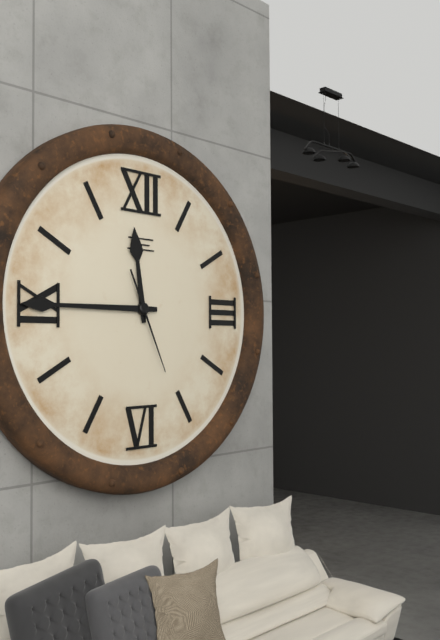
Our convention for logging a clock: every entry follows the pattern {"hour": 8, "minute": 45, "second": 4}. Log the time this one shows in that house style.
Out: {"hour": 11, "minute": 45, "second": 26}
